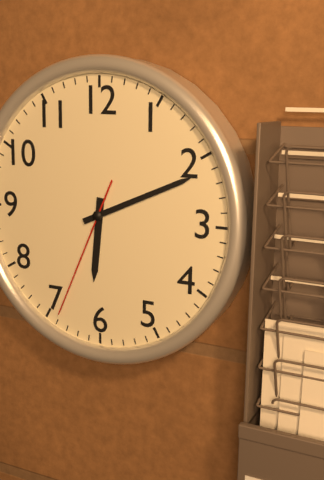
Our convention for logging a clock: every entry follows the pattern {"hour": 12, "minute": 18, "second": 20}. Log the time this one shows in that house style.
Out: {"hour": 6, "minute": 11, "second": 34}
